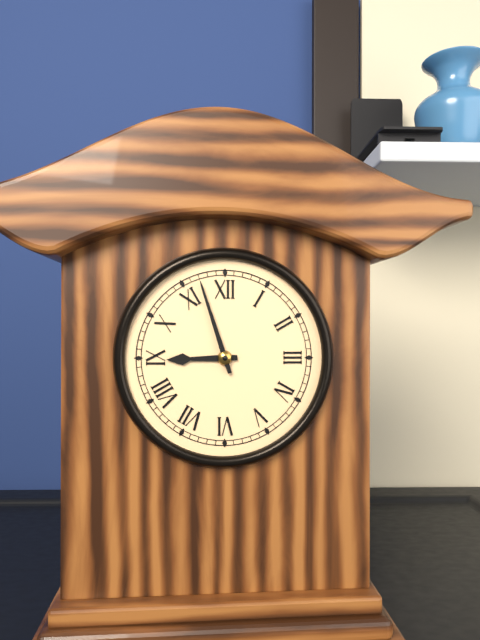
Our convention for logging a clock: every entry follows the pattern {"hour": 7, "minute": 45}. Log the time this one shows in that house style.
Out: {"hour": 8, "minute": 57}
